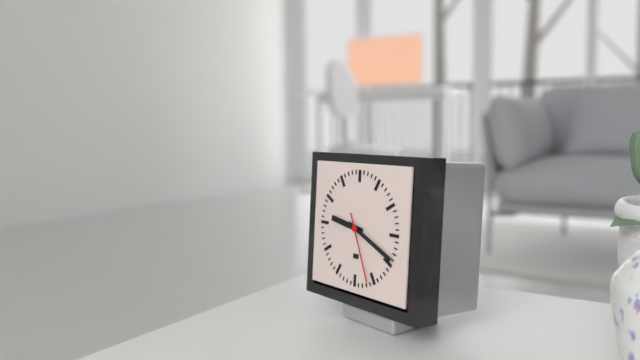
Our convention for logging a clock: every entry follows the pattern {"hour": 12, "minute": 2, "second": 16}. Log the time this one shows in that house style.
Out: {"hour": 9, "minute": 19, "second": 26}
